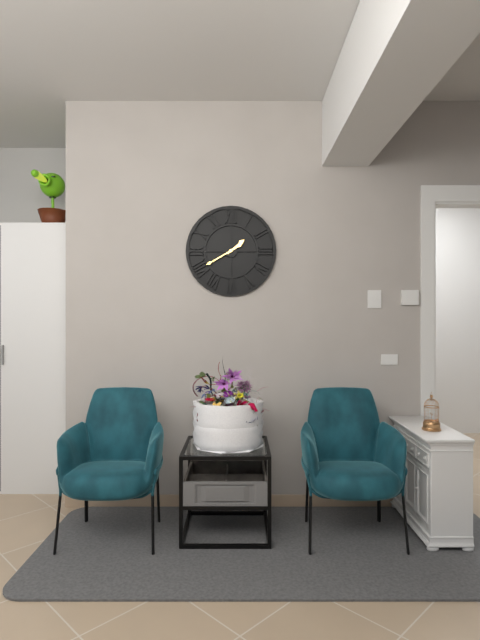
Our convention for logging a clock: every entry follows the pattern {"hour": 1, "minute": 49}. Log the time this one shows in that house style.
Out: {"hour": 1, "minute": 40}
